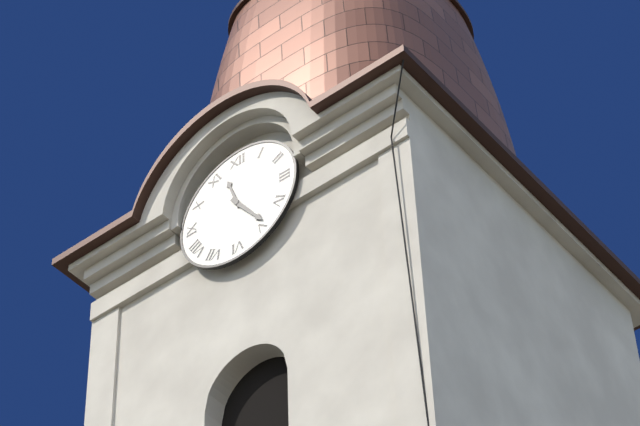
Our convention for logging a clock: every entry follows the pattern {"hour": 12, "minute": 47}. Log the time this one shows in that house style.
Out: {"hour": 11, "minute": 24}
